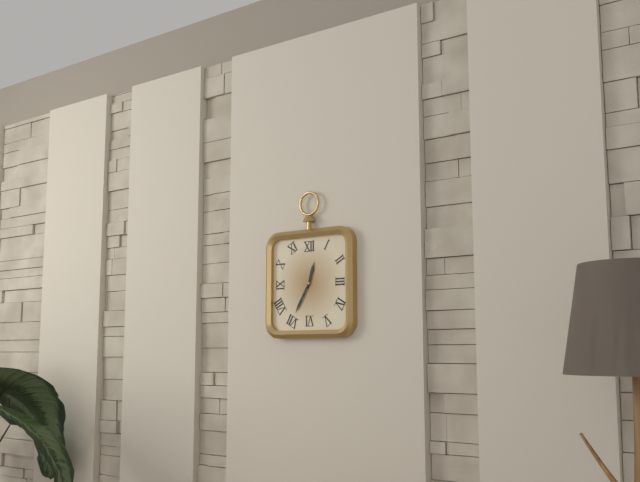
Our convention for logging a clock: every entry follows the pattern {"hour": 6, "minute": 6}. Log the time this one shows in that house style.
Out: {"hour": 12, "minute": 35}
